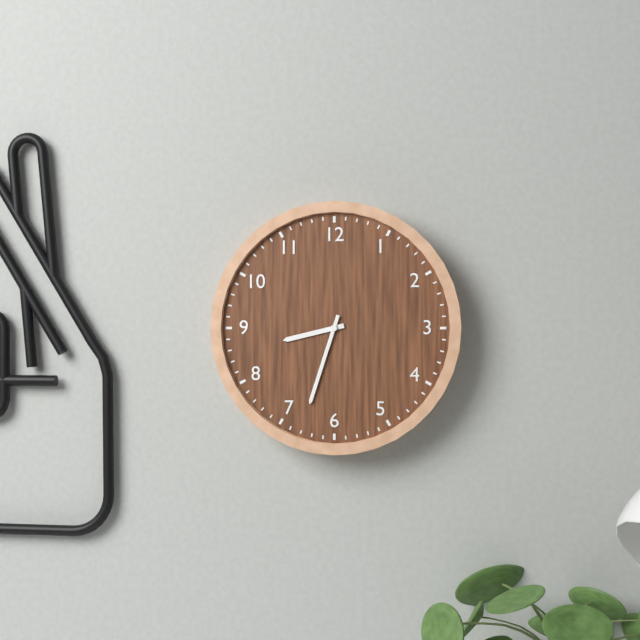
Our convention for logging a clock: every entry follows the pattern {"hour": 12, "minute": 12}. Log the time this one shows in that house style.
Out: {"hour": 8, "minute": 33}
